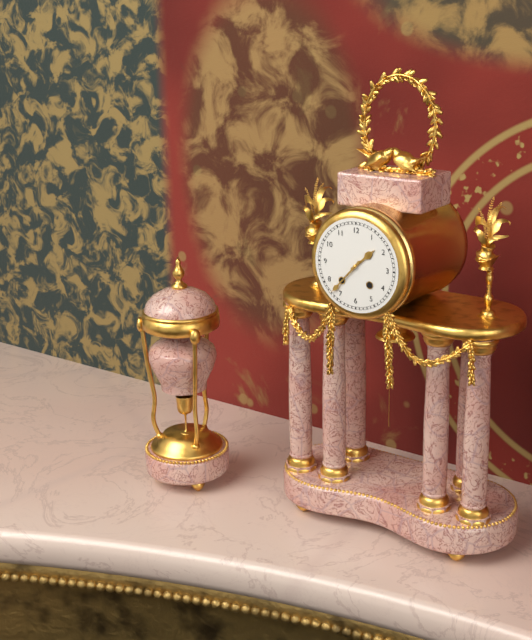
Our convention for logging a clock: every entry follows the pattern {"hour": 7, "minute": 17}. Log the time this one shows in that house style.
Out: {"hour": 1, "minute": 37}
